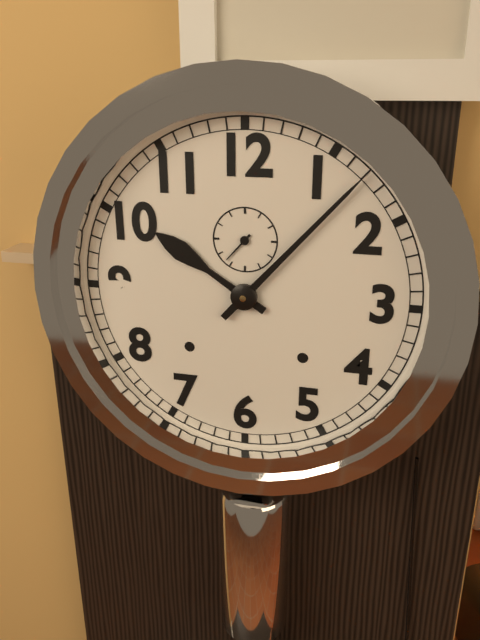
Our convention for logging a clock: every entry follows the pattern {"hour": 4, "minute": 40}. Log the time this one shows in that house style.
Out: {"hour": 10, "minute": 7}
